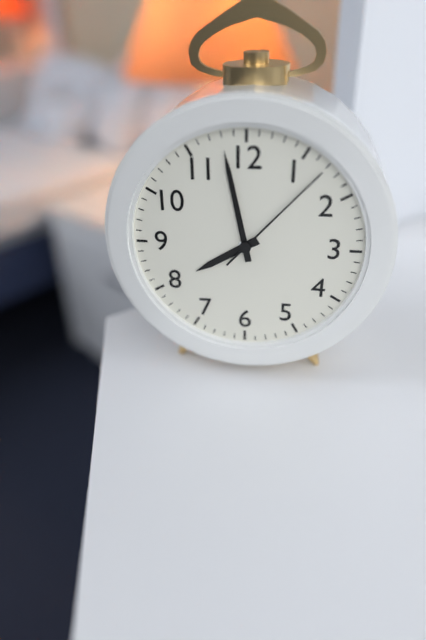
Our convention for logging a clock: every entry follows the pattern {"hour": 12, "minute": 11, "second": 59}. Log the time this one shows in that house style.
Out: {"hour": 7, "minute": 58, "second": 7}
